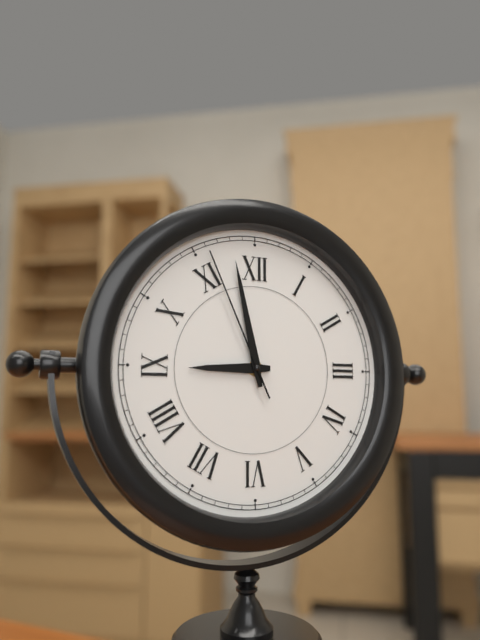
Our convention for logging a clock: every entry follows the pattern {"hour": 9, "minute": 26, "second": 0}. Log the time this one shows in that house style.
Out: {"hour": 8, "minute": 58, "second": 56}
